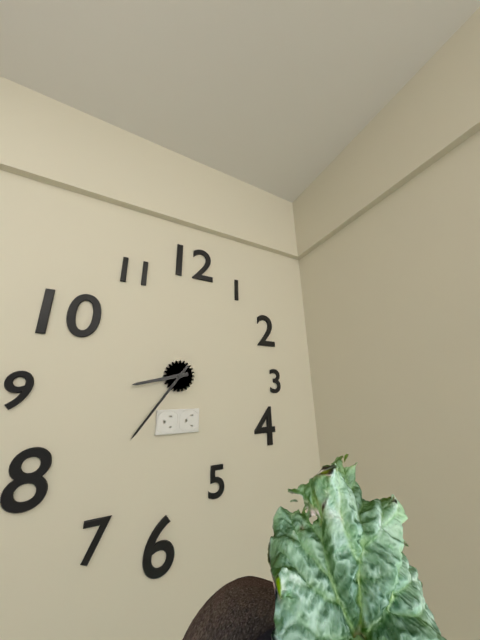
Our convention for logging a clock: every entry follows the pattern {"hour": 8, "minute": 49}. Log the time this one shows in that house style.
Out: {"hour": 8, "minute": 36}
